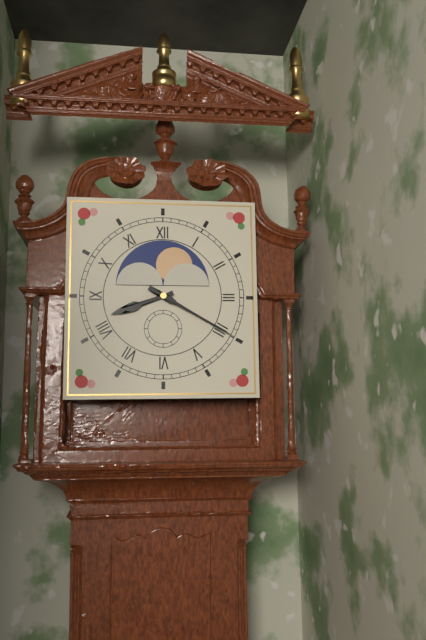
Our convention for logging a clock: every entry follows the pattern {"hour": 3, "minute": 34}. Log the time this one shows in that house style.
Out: {"hour": 8, "minute": 20}
